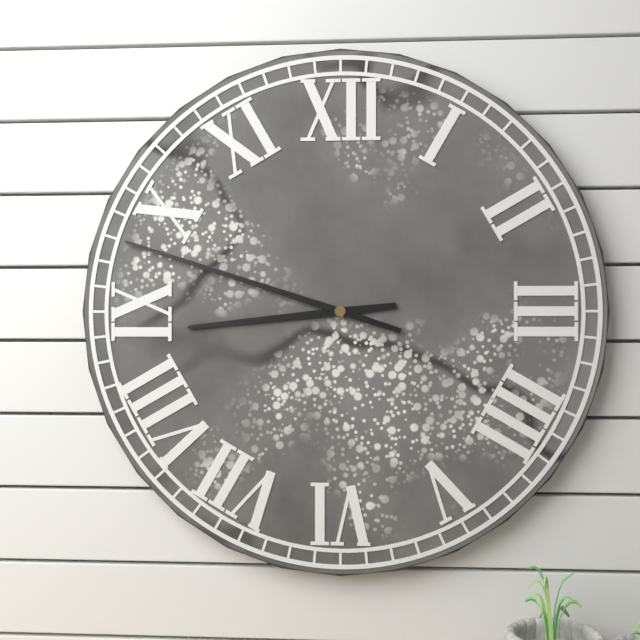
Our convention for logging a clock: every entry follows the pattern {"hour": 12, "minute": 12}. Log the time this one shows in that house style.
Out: {"hour": 8, "minute": 48}
